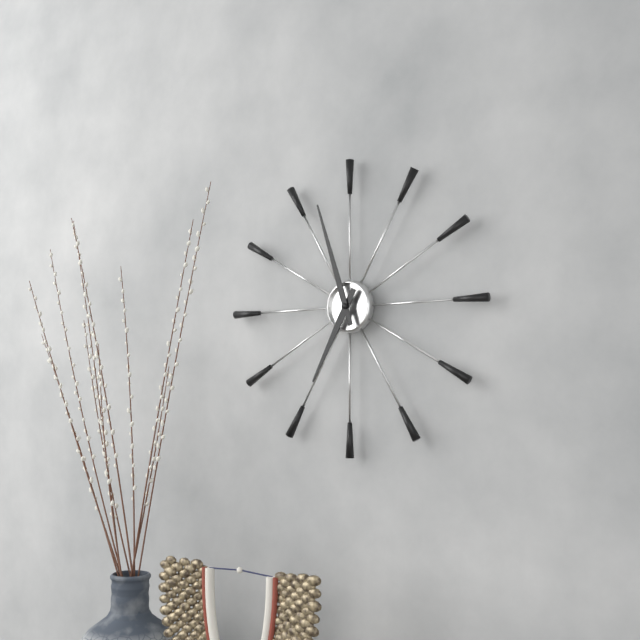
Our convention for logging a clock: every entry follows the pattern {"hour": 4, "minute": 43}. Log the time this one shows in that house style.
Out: {"hour": 6, "minute": 57}
